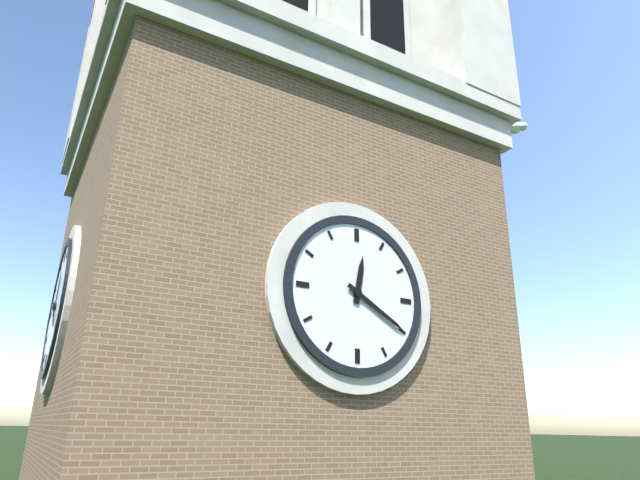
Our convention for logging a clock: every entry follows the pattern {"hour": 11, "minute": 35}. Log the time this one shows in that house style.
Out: {"hour": 12, "minute": 20}
